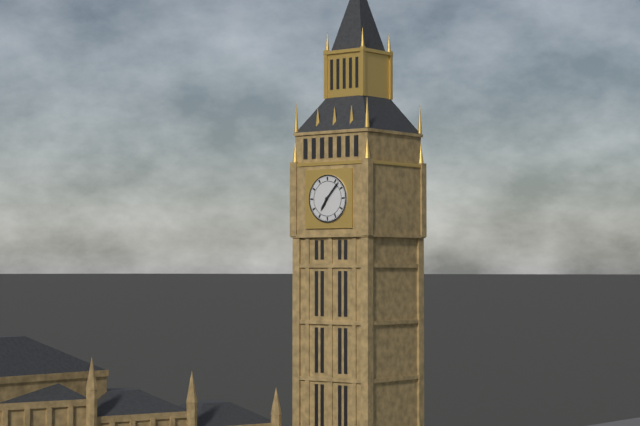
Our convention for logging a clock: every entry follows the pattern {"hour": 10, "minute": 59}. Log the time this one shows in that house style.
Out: {"hour": 7, "minute": 7}
